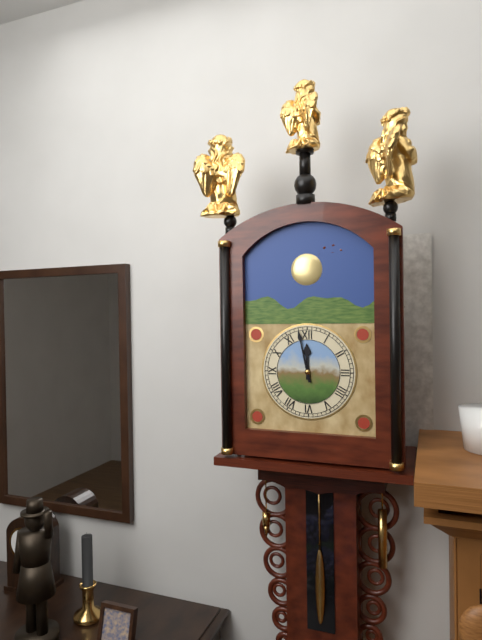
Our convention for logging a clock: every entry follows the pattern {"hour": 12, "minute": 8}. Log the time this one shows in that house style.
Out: {"hour": 11, "minute": 58}
